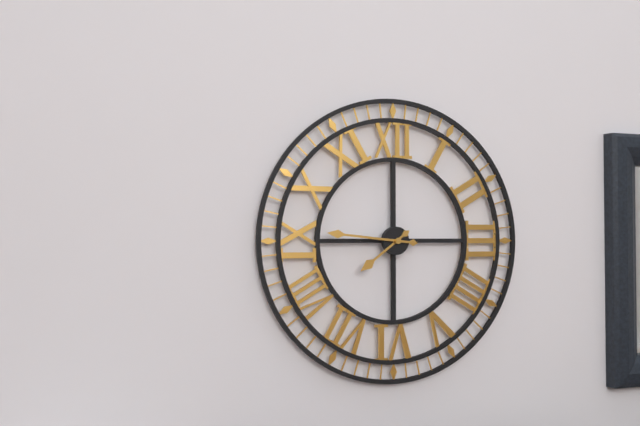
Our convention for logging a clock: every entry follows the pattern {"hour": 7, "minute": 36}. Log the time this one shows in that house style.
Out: {"hour": 7, "minute": 46}
